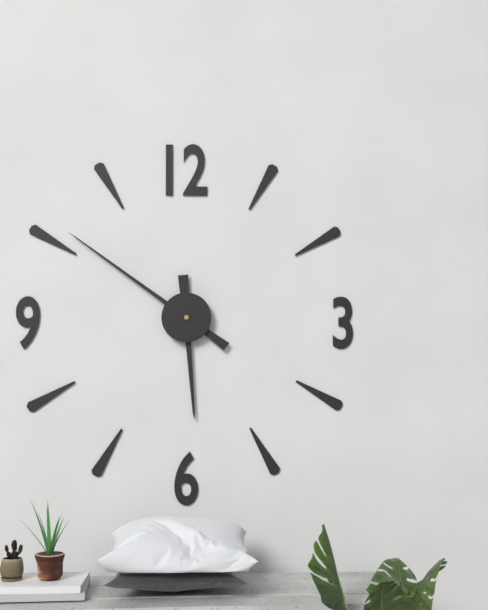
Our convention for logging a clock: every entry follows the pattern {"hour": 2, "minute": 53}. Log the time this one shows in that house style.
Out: {"hour": 5, "minute": 51}
